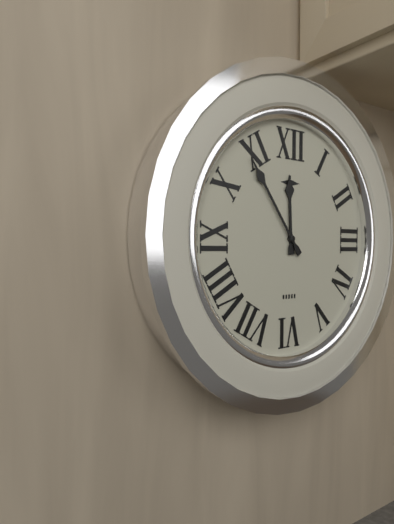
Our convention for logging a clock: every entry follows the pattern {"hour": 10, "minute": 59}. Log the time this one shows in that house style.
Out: {"hour": 11, "minute": 54}
